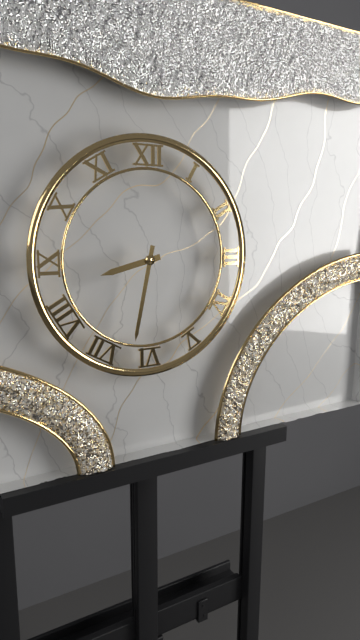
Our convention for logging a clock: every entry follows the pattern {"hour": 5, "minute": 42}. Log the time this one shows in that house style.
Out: {"hour": 8, "minute": 32}
